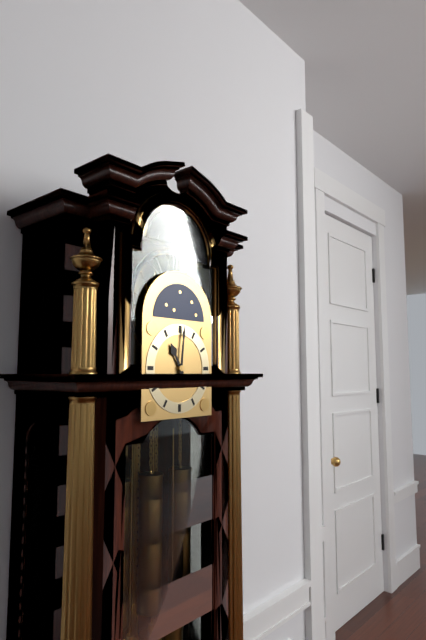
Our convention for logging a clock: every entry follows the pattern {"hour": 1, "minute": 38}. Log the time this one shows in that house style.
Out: {"hour": 11, "minute": 1}
